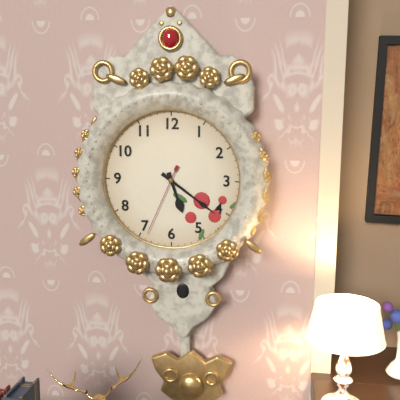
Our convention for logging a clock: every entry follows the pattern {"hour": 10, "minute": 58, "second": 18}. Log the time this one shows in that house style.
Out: {"hour": 5, "minute": 21, "second": 34}
